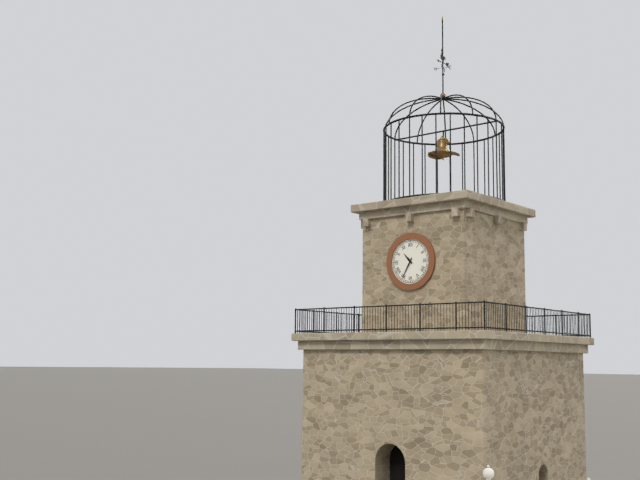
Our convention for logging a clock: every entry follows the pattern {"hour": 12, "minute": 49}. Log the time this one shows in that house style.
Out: {"hour": 10, "minute": 35}
